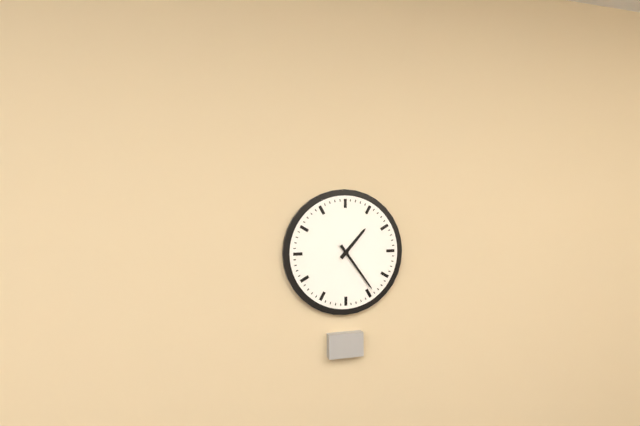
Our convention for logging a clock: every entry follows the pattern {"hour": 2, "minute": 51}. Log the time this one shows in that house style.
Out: {"hour": 1, "minute": 24}
